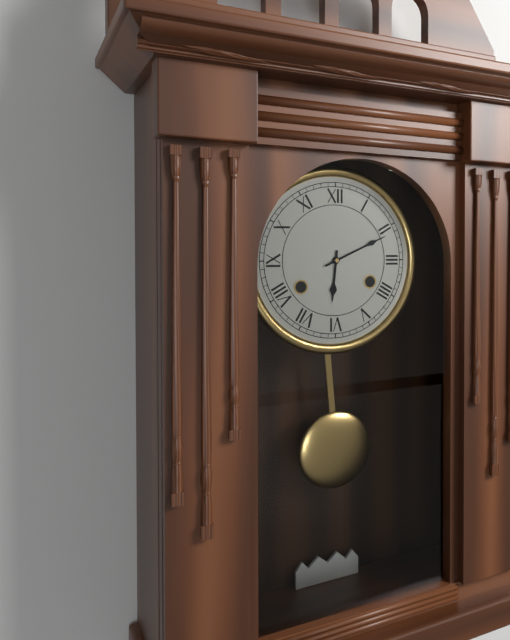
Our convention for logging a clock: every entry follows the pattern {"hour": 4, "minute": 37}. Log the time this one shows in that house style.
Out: {"hour": 6, "minute": 11}
